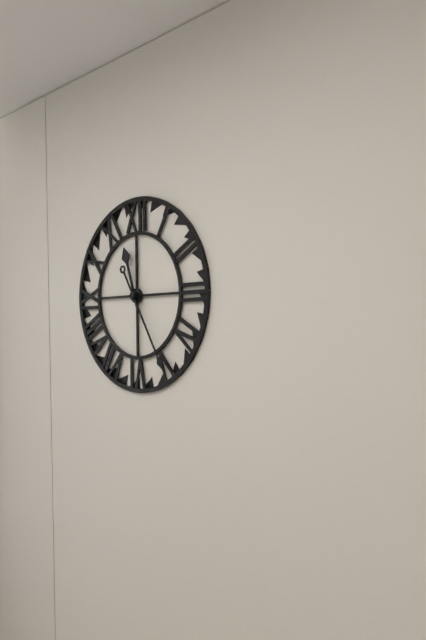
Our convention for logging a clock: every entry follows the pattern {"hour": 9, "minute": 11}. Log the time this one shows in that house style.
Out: {"hour": 11, "minute": 25}
